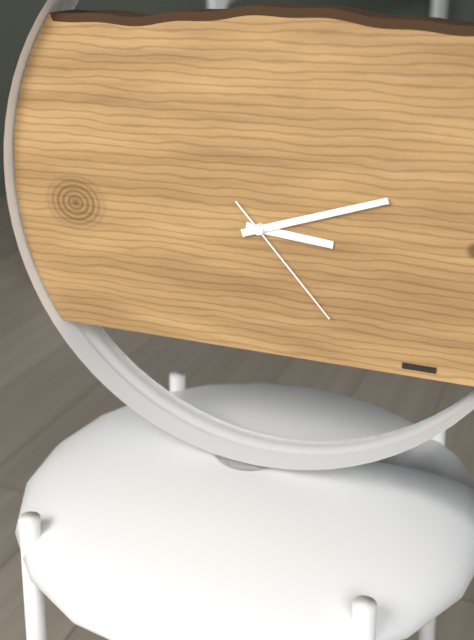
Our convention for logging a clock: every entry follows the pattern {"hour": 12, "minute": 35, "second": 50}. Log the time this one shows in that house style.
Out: {"hour": 3, "minute": 12, "second": 23}
